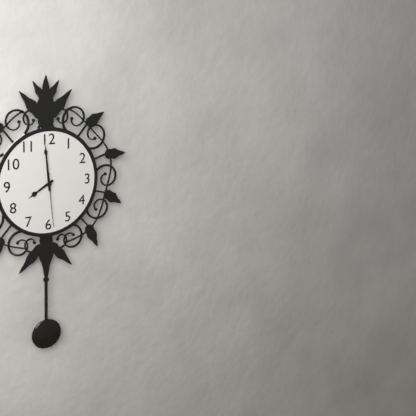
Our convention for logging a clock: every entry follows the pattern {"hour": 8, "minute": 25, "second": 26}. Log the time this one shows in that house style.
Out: {"hour": 7, "minute": 59, "second": 29}
